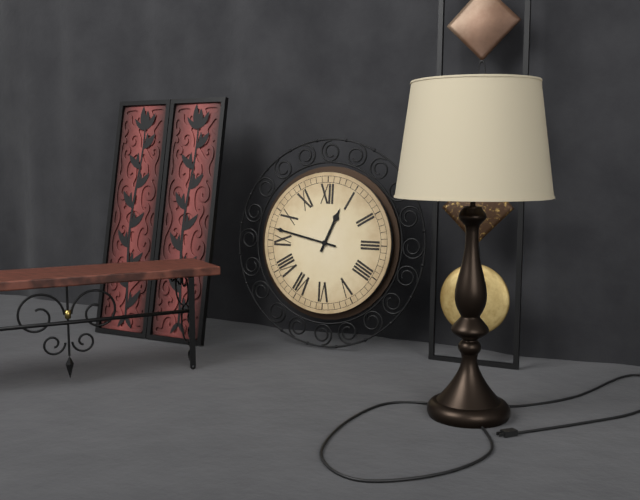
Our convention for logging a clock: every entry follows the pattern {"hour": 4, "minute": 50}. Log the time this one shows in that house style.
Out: {"hour": 12, "minute": 47}
